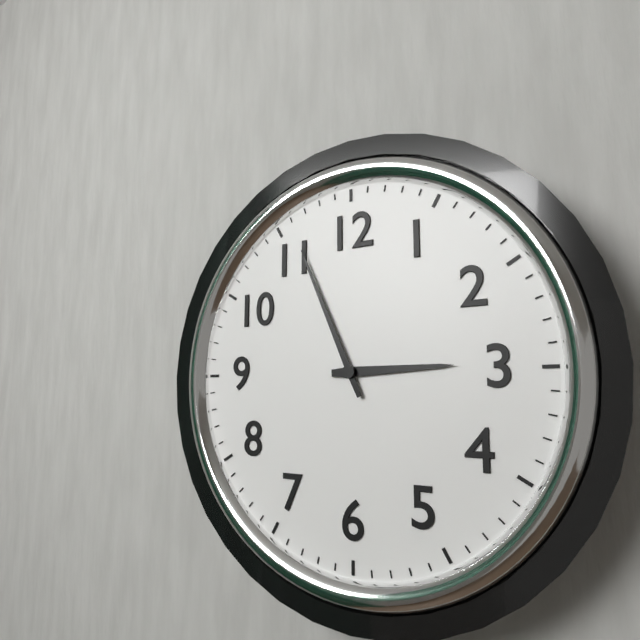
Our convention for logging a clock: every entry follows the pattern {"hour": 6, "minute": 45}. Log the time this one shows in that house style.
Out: {"hour": 2, "minute": 56}
